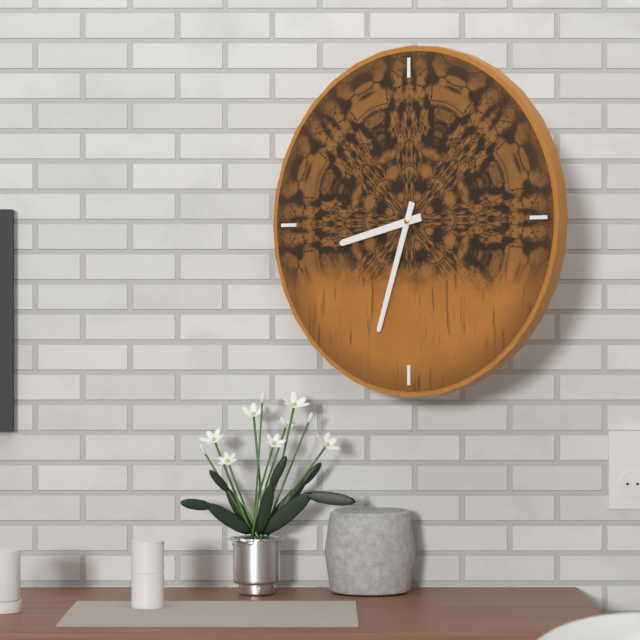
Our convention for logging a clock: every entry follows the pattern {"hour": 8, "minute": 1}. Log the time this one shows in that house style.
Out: {"hour": 8, "minute": 33}
